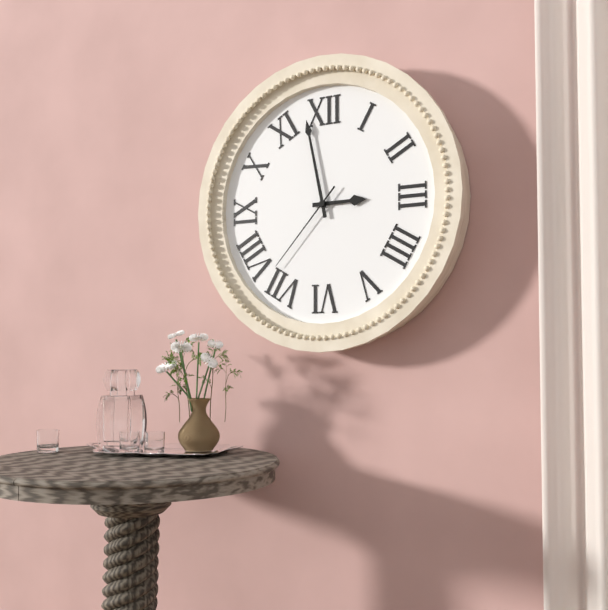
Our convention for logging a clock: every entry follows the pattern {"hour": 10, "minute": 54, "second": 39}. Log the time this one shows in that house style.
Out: {"hour": 2, "minute": 58, "second": 37}
